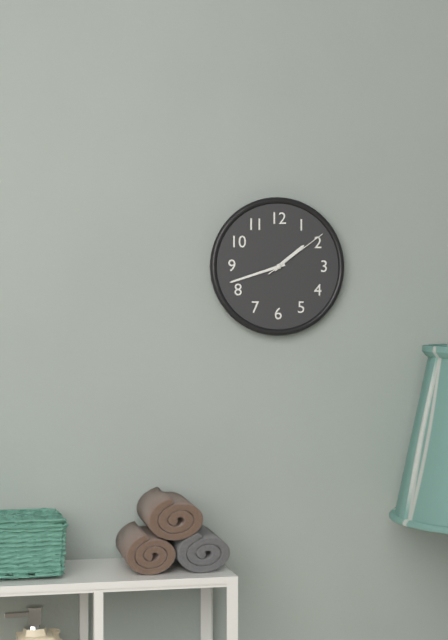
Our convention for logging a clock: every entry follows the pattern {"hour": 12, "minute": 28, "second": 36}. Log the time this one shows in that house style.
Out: {"hour": 1, "minute": 42, "second": 9}
